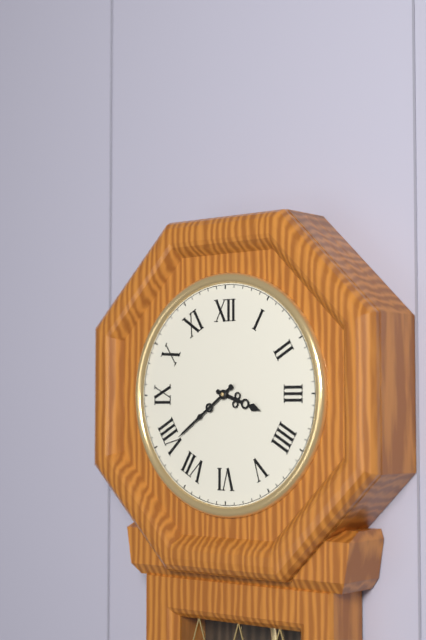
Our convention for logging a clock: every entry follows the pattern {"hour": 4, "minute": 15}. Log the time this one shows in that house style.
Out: {"hour": 3, "minute": 39}
